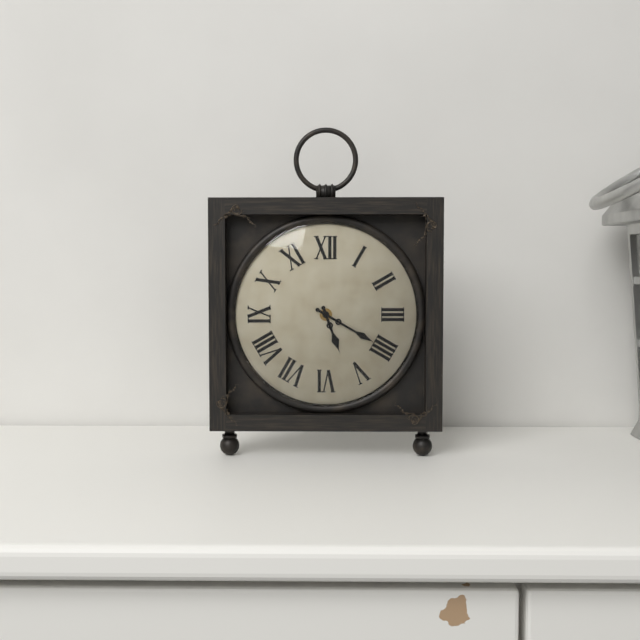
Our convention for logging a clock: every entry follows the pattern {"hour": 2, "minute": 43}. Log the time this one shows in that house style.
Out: {"hour": 5, "minute": 20}
